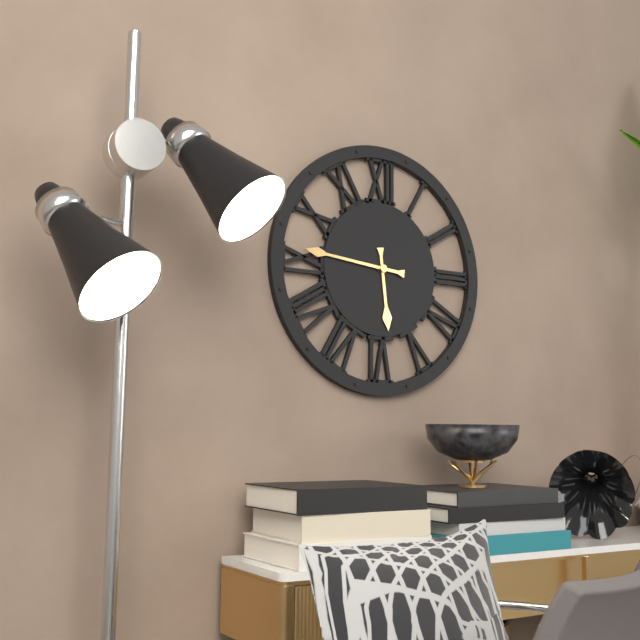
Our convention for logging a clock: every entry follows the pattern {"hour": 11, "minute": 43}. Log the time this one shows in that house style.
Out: {"hour": 5, "minute": 46}
